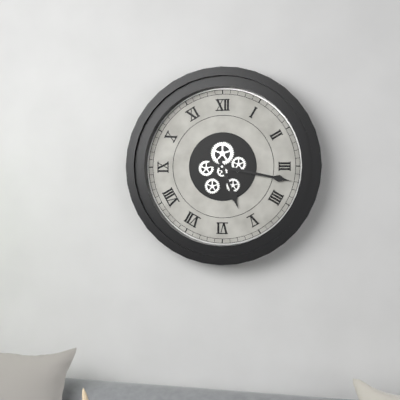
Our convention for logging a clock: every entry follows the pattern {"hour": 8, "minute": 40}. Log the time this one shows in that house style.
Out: {"hour": 5, "minute": 17}
